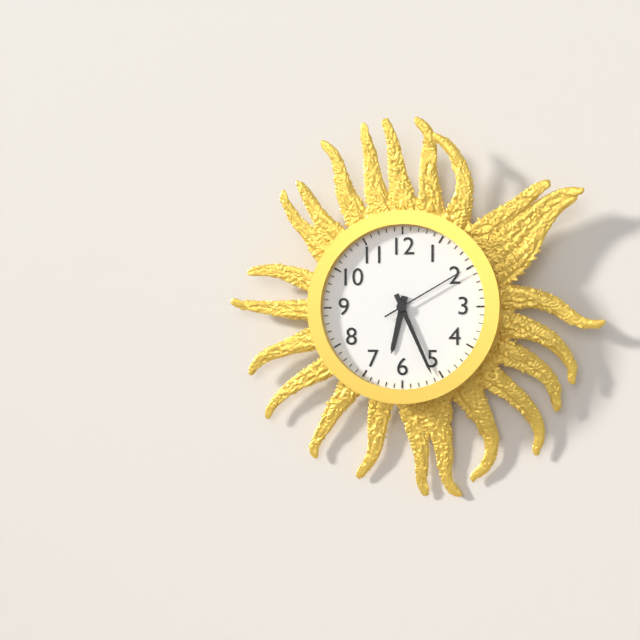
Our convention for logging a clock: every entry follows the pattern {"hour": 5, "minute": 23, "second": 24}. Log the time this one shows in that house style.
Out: {"hour": 6, "minute": 26, "second": 10}
